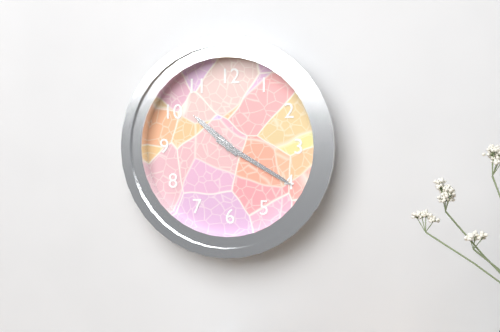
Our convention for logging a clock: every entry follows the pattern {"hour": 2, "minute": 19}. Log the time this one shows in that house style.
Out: {"hour": 10, "minute": 20}
